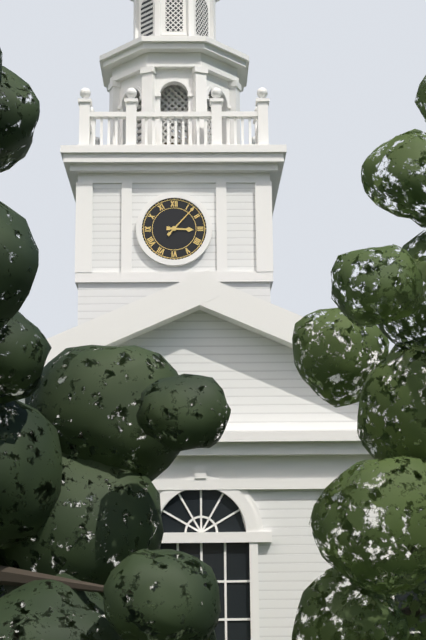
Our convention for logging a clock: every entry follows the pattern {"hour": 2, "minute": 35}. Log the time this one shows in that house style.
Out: {"hour": 3, "minute": 7}
